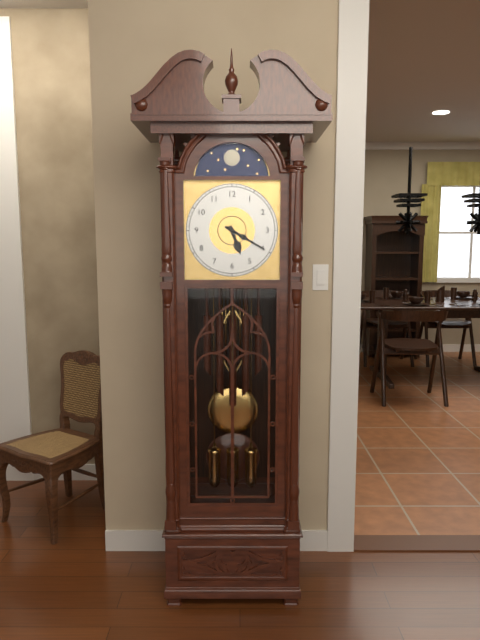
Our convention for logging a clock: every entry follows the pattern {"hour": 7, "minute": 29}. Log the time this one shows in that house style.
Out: {"hour": 5, "minute": 20}
